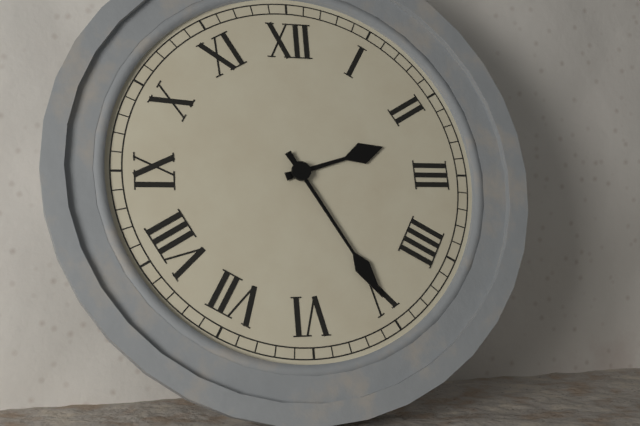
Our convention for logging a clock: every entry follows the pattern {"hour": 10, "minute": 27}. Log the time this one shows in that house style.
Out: {"hour": 2, "minute": 25}
